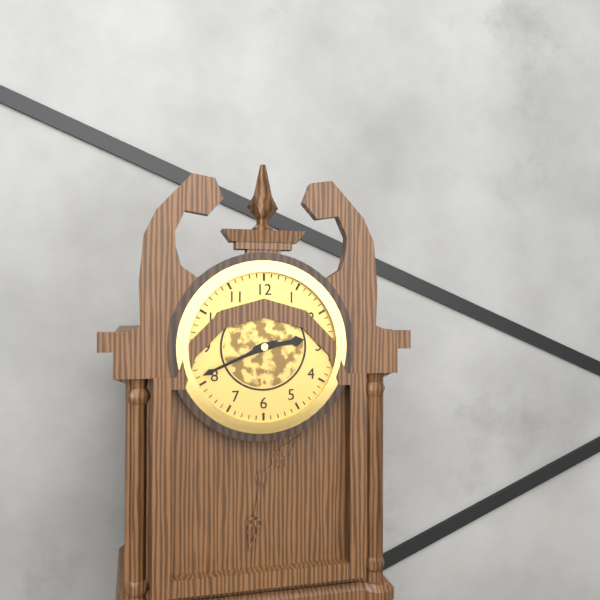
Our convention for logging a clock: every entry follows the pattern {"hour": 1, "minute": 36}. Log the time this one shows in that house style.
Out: {"hour": 2, "minute": 41}
